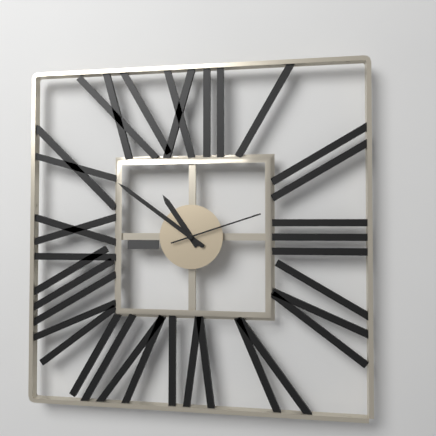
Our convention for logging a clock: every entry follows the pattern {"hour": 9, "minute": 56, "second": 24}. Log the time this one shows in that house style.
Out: {"hour": 10, "minute": 51, "second": 12}
